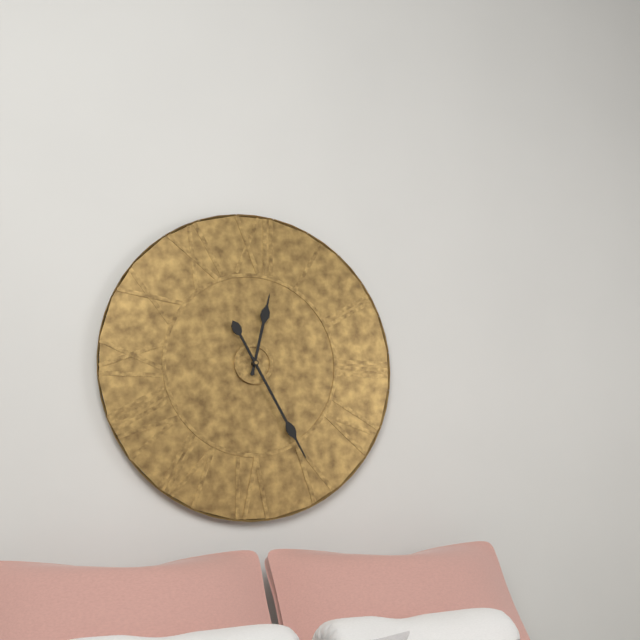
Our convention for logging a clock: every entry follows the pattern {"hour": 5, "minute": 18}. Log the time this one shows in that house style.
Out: {"hour": 12, "minute": 25}
